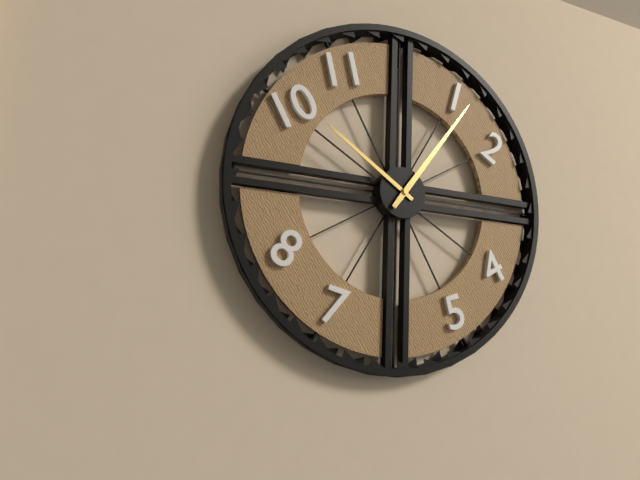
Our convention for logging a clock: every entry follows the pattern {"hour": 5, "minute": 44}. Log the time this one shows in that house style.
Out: {"hour": 10, "minute": 6}
